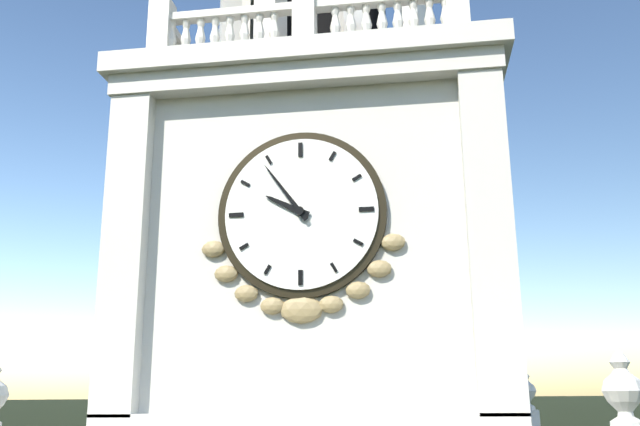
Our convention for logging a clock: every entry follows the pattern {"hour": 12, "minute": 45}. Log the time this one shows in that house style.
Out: {"hour": 9, "minute": 54}
